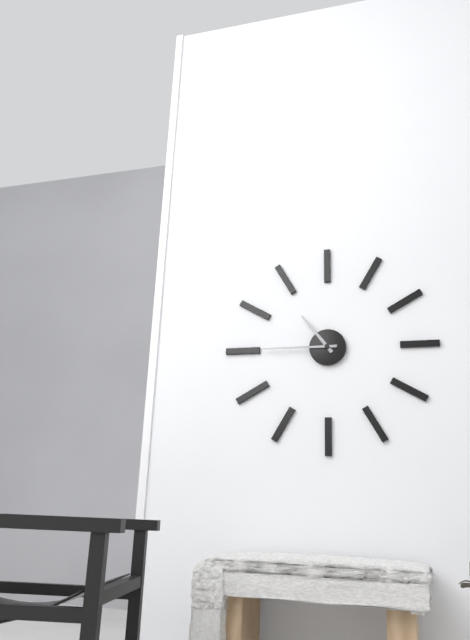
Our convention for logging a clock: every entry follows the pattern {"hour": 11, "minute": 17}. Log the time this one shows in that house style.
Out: {"hour": 10, "minute": 45}
